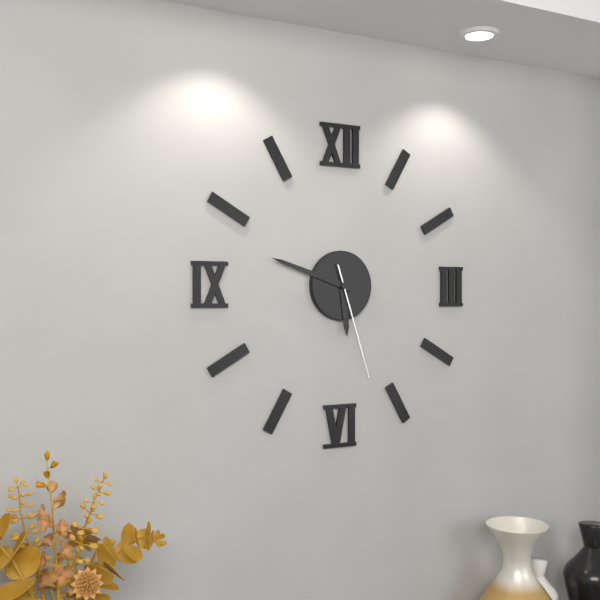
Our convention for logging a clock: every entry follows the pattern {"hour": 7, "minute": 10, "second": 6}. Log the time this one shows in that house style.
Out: {"hour": 5, "minute": 48, "second": 27}
